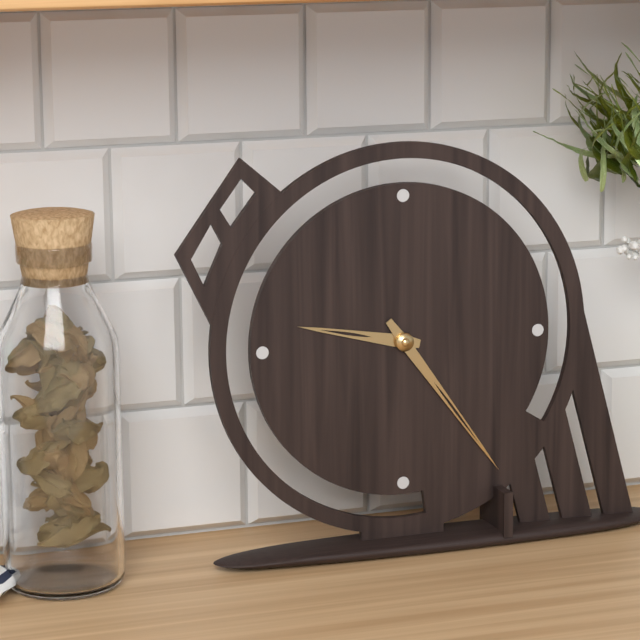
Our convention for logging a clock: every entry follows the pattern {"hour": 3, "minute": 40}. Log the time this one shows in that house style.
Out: {"hour": 9, "minute": 24}
